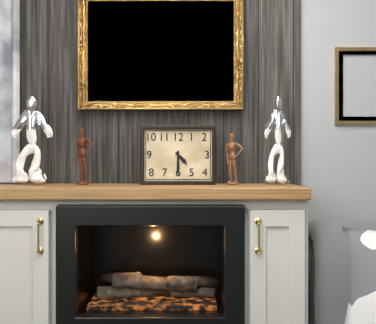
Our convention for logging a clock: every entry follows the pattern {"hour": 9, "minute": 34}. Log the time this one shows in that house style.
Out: {"hour": 4, "minute": 30}
